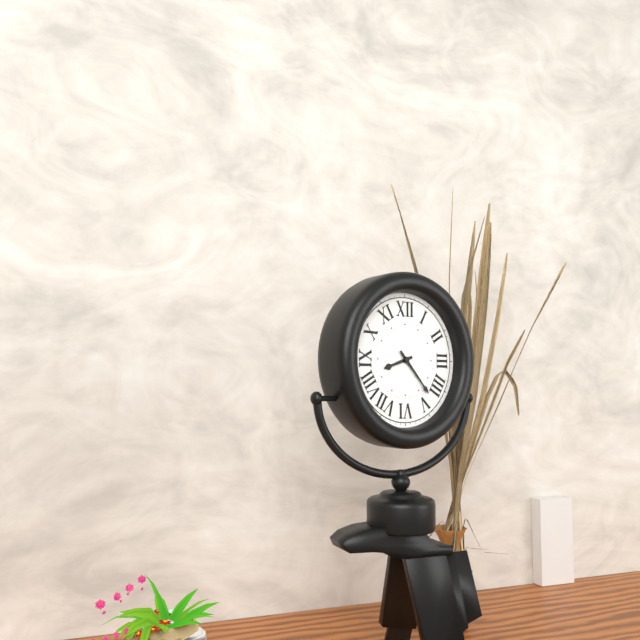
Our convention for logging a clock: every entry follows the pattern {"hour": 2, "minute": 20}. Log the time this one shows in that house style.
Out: {"hour": 8, "minute": 23}
